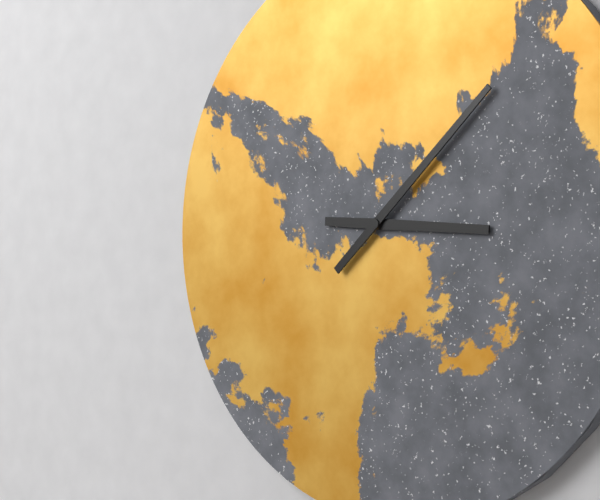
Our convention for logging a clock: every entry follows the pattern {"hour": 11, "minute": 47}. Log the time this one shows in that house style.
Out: {"hour": 3, "minute": 8}
